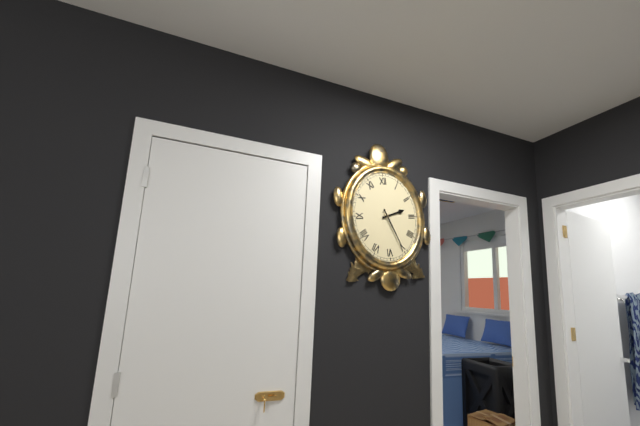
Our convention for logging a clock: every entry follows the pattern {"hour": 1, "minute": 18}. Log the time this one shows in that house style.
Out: {"hour": 2, "minute": 26}
